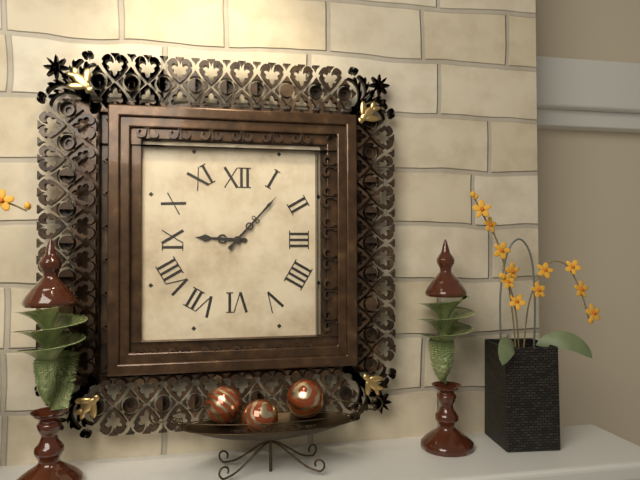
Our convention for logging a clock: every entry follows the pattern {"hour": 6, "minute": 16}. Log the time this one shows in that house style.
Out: {"hour": 9, "minute": 7}
